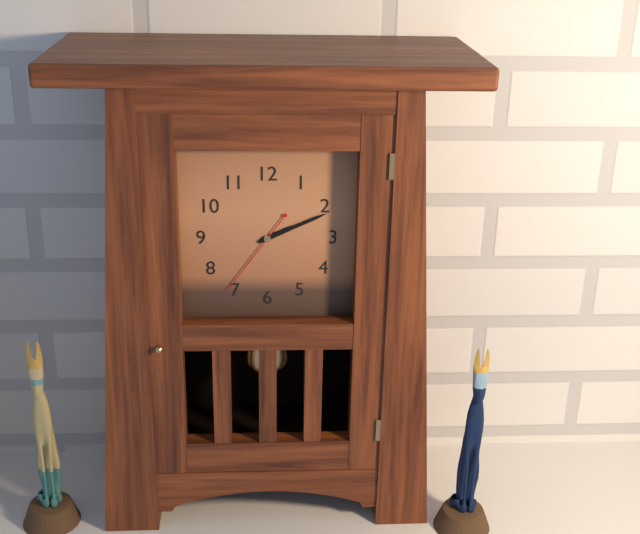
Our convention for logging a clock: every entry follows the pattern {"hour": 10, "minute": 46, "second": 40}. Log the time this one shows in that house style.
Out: {"hour": 2, "minute": 11, "second": 36}
